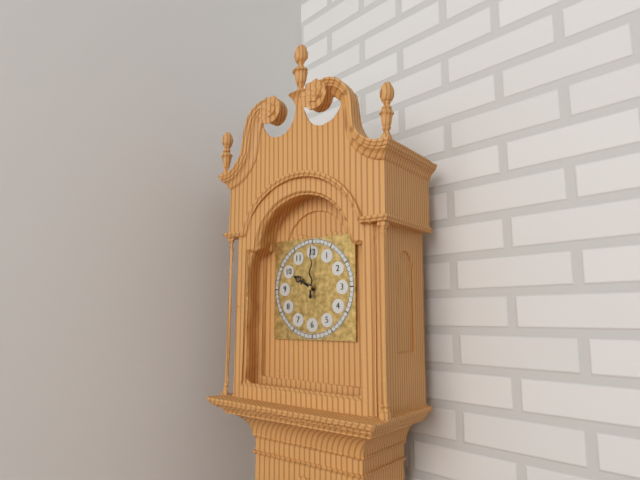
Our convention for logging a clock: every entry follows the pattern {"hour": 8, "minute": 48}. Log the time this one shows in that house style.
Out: {"hour": 10, "minute": 0}
